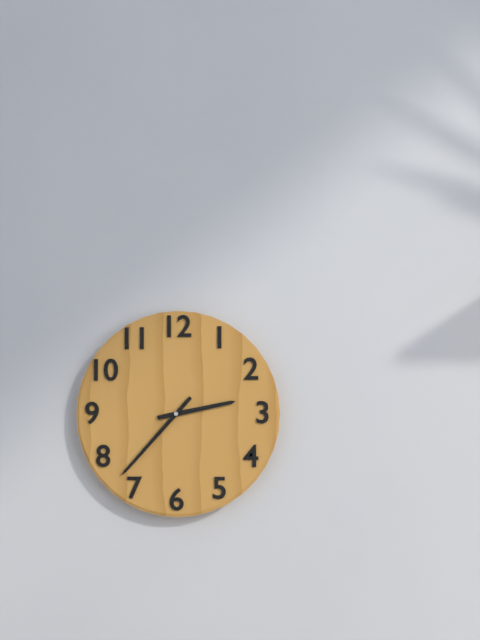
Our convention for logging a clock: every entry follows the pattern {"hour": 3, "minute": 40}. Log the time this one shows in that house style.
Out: {"hour": 2, "minute": 37}
